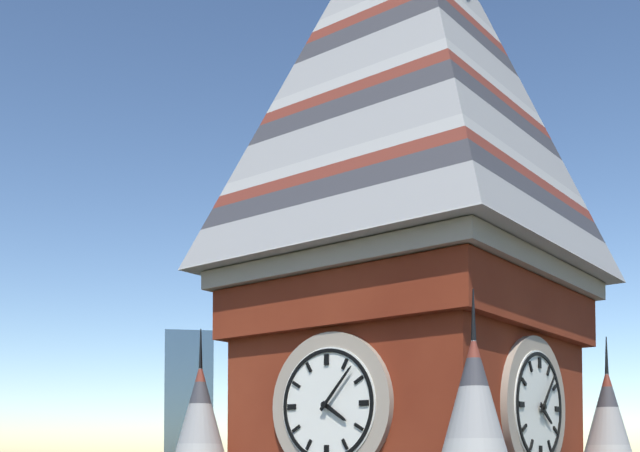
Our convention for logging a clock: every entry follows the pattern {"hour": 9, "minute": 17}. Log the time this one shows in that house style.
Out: {"hour": 4, "minute": 7}
